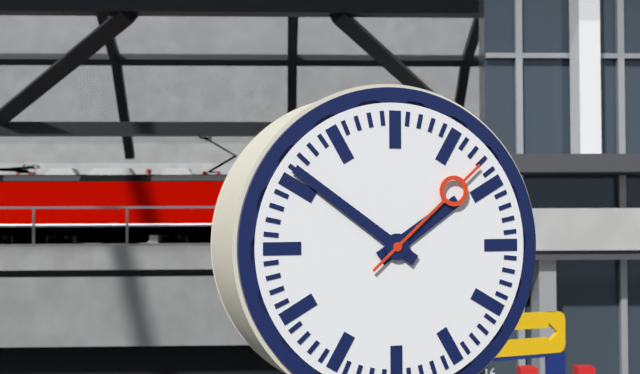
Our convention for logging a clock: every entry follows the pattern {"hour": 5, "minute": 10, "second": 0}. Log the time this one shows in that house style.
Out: {"hour": 1, "minute": 51, "second": 8}
